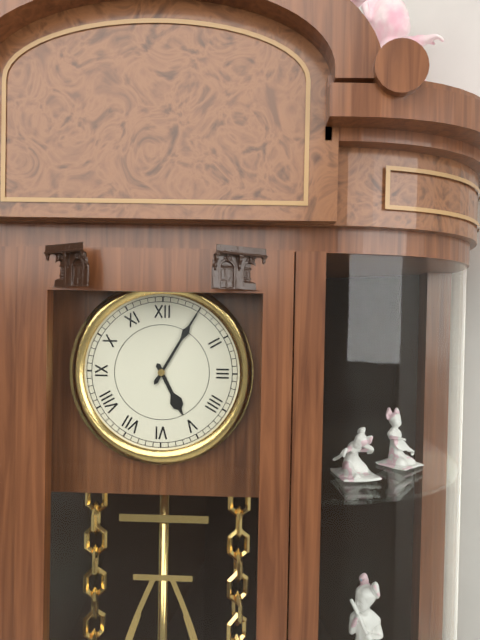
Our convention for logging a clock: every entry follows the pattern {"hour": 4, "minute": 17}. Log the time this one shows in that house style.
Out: {"hour": 5, "minute": 5}
